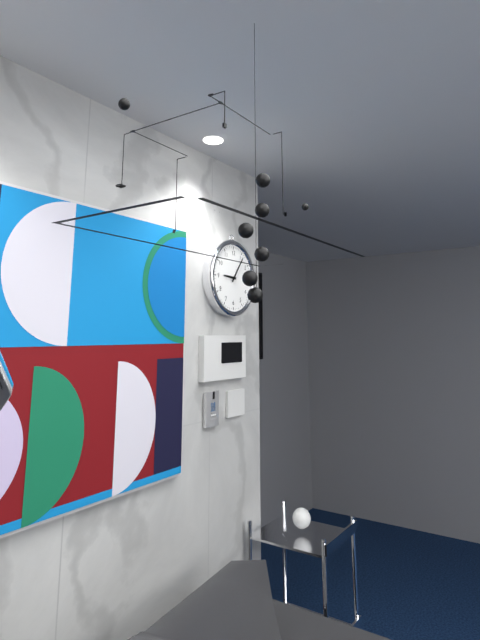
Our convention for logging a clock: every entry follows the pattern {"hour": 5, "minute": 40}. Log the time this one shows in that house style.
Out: {"hour": 9, "minute": 6}
